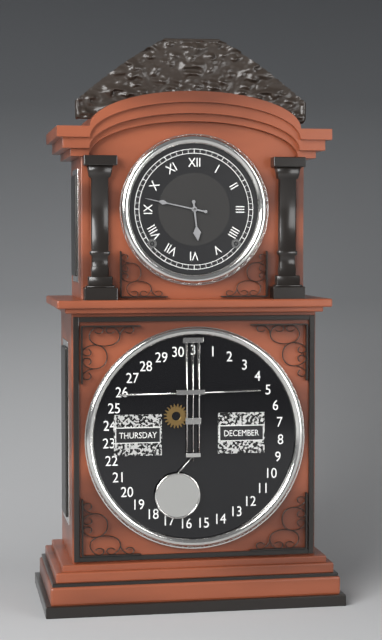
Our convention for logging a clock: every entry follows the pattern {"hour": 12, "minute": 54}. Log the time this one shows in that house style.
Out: {"hour": 5, "minute": 47}
